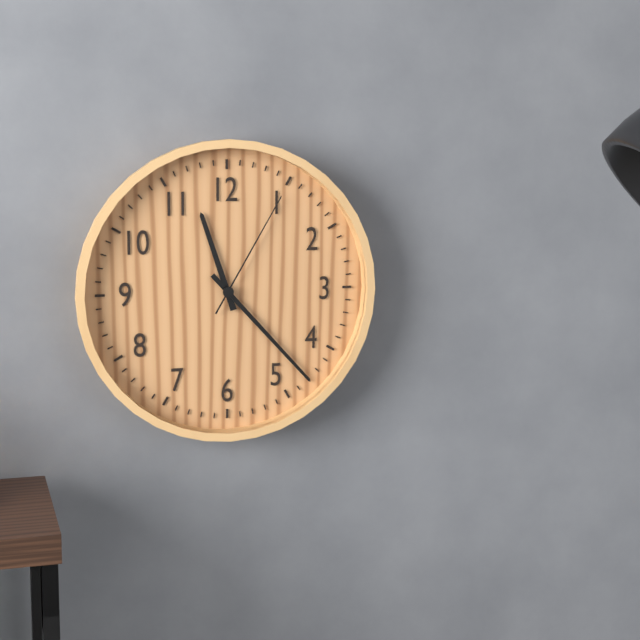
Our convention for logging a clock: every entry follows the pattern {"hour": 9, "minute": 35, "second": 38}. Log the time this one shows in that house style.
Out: {"hour": 11, "minute": 23, "second": 5}
